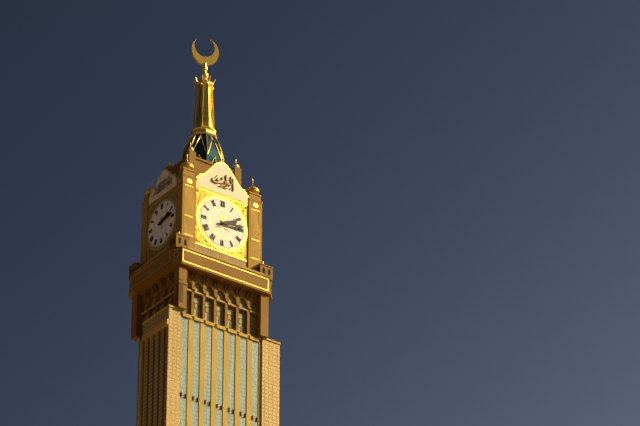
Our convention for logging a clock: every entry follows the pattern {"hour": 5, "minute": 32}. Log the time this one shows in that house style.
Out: {"hour": 2, "minute": 14}
